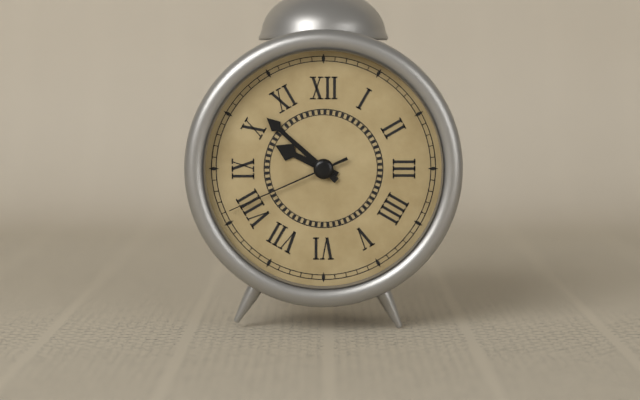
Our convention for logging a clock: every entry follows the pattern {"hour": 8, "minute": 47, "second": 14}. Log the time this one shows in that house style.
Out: {"hour": 9, "minute": 52, "second": 41}
